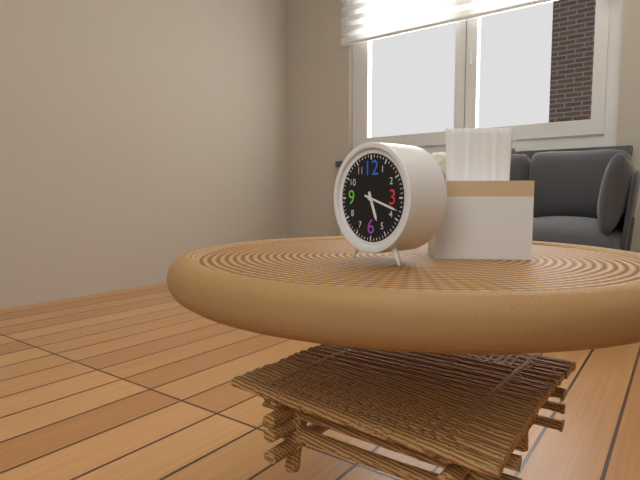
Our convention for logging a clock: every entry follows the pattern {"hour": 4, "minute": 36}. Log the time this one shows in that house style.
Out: {"hour": 5, "minute": 18}
